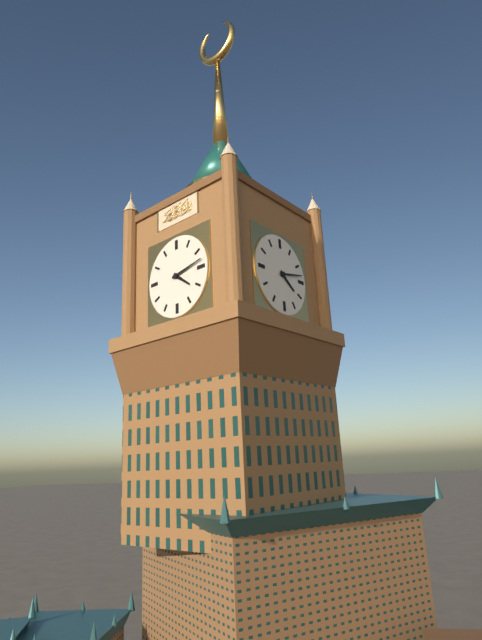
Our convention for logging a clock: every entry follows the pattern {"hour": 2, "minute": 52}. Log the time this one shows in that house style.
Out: {"hour": 4, "minute": 13}
